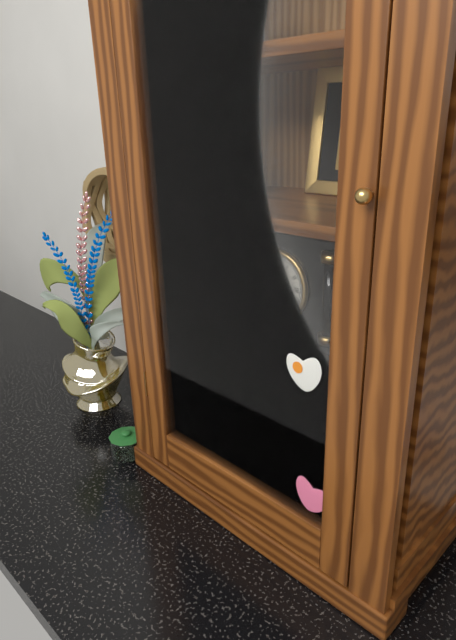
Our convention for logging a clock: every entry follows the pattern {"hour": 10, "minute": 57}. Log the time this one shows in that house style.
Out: {"hour": 10, "minute": 47}
